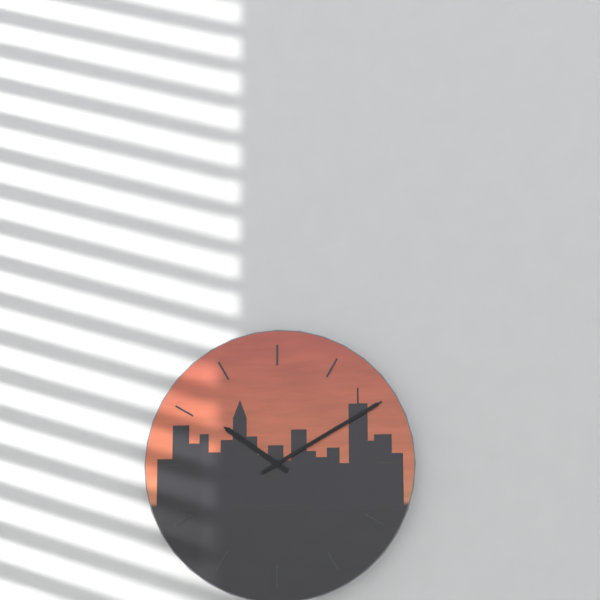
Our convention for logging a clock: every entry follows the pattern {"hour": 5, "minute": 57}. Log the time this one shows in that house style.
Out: {"hour": 10, "minute": 10}
